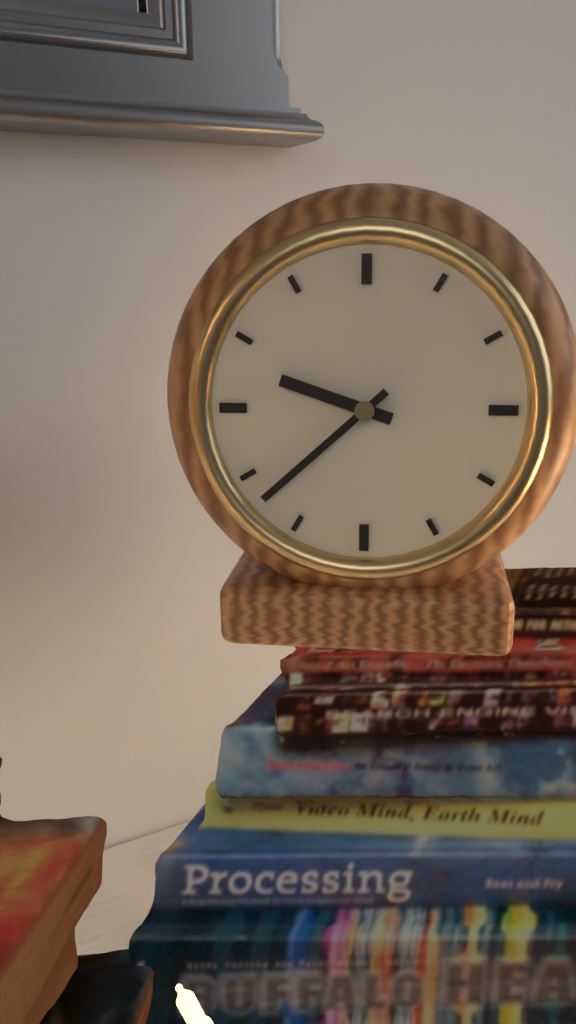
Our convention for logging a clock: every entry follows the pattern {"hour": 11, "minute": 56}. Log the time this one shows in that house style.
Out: {"hour": 9, "minute": 38}
